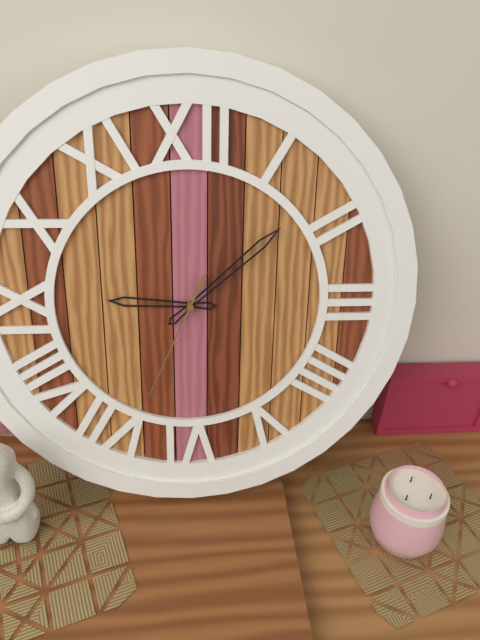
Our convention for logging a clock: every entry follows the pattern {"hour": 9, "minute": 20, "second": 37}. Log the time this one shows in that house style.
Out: {"hour": 9, "minute": 8, "second": 34}
